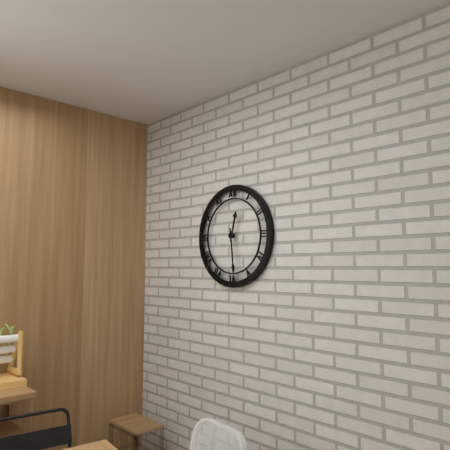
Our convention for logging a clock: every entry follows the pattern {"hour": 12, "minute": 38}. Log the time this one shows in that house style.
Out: {"hour": 12, "minute": 29}
